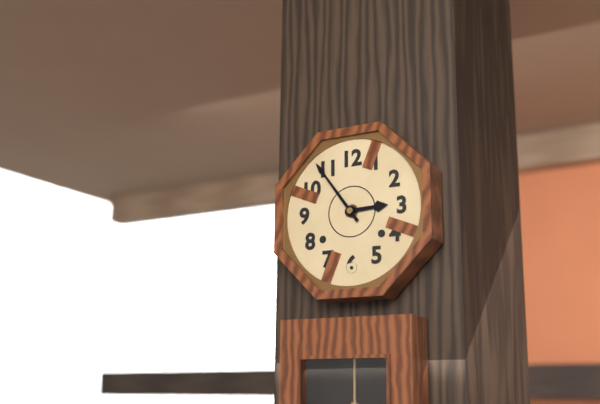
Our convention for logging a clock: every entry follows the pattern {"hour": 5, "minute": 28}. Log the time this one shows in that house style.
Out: {"hour": 2, "minute": 54}
